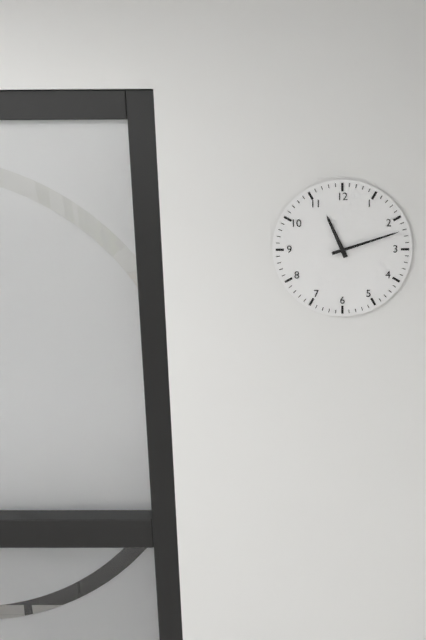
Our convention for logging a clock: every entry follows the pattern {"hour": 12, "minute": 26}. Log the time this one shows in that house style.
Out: {"hour": 11, "minute": 12}
